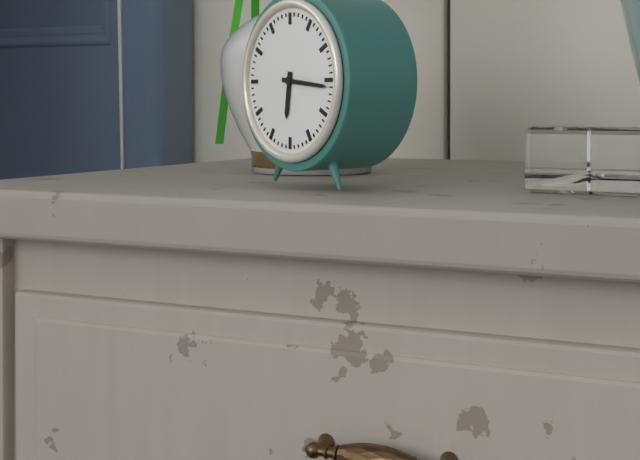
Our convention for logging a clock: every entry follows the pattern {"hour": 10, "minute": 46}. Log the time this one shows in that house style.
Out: {"hour": 6, "minute": 16}
